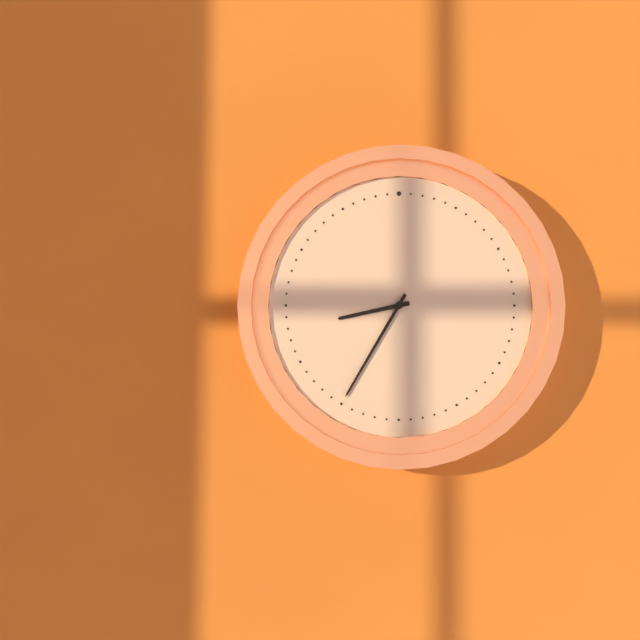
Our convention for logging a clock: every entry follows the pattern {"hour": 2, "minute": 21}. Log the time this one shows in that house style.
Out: {"hour": 8, "minute": 35}
